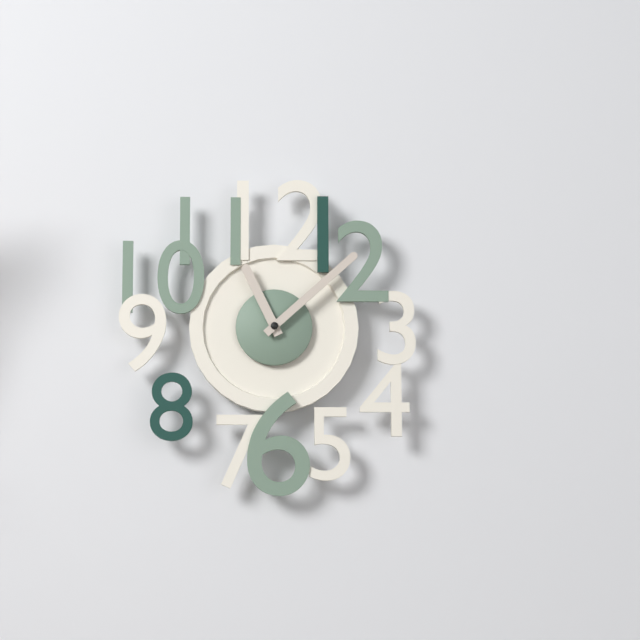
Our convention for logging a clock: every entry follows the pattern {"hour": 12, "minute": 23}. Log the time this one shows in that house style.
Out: {"hour": 11, "minute": 8}
